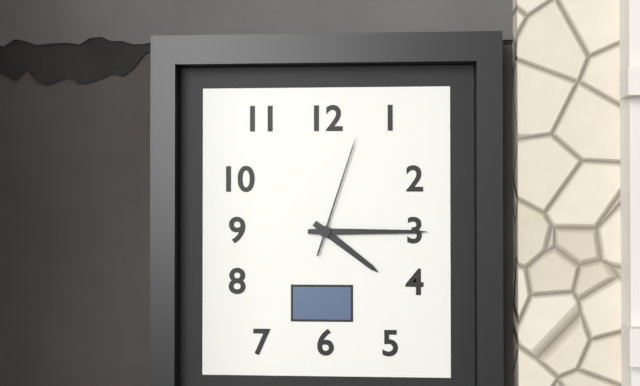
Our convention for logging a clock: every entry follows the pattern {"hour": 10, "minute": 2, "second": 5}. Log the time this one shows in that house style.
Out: {"hour": 4, "minute": 15, "second": 3}
